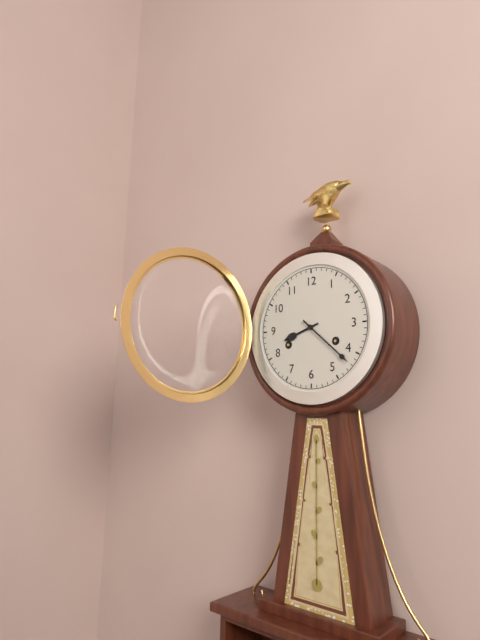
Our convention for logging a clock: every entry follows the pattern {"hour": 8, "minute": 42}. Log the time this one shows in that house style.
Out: {"hour": 8, "minute": 22}
